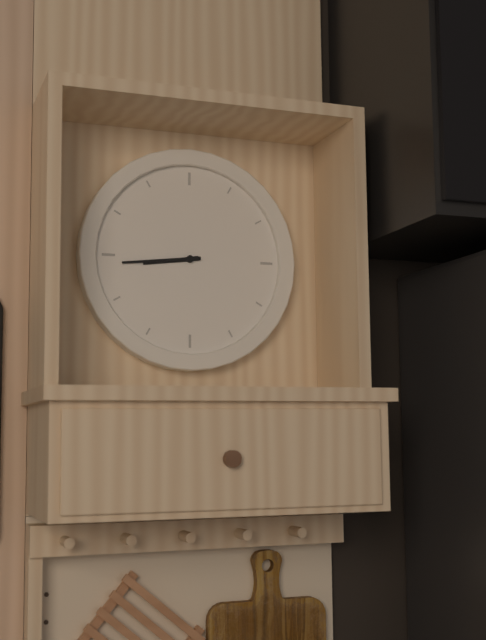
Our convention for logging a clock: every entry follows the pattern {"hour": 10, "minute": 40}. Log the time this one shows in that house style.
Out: {"hour": 8, "minute": 44}
